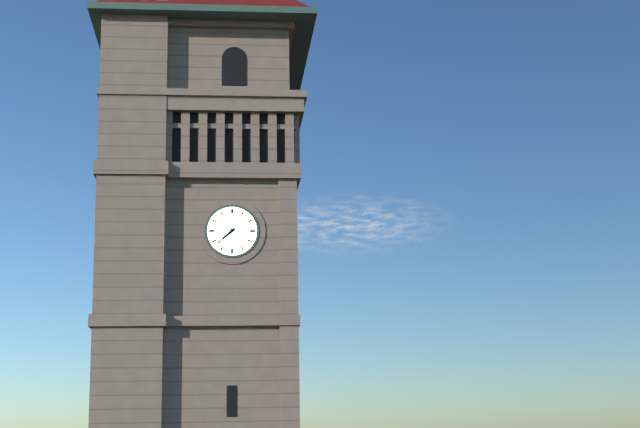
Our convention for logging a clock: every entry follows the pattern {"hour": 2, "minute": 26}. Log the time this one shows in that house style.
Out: {"hour": 7, "minute": 38}
